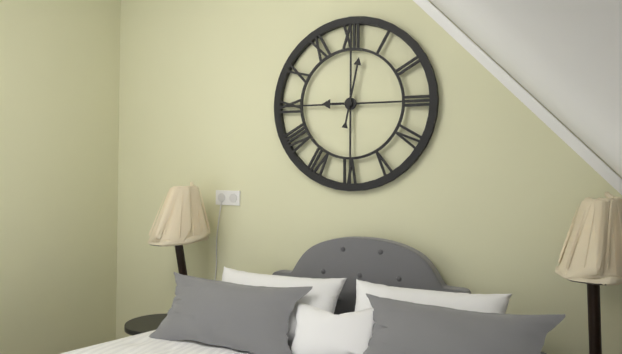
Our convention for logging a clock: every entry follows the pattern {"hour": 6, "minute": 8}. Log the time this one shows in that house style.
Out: {"hour": 9, "minute": 2}
